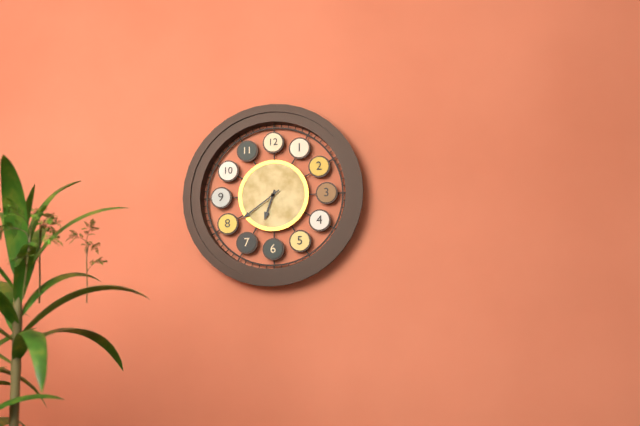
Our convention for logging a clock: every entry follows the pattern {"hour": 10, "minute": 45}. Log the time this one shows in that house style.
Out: {"hour": 6, "minute": 39}
